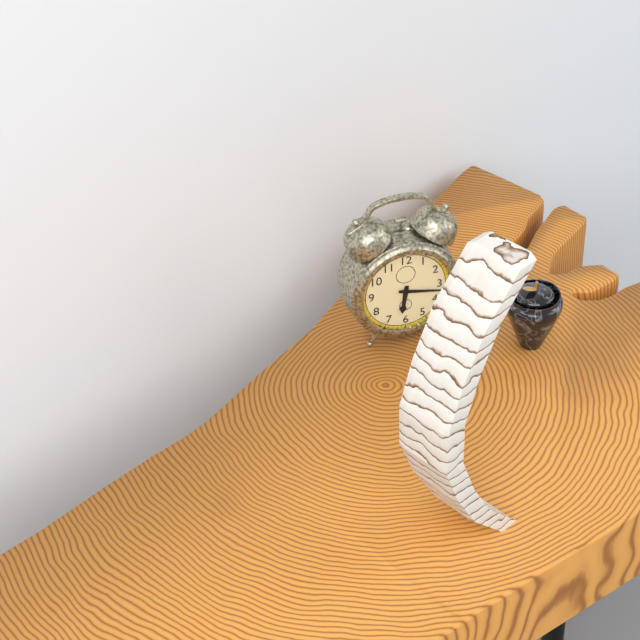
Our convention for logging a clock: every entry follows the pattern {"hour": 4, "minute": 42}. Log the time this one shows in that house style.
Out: {"hour": 6, "minute": 17}
